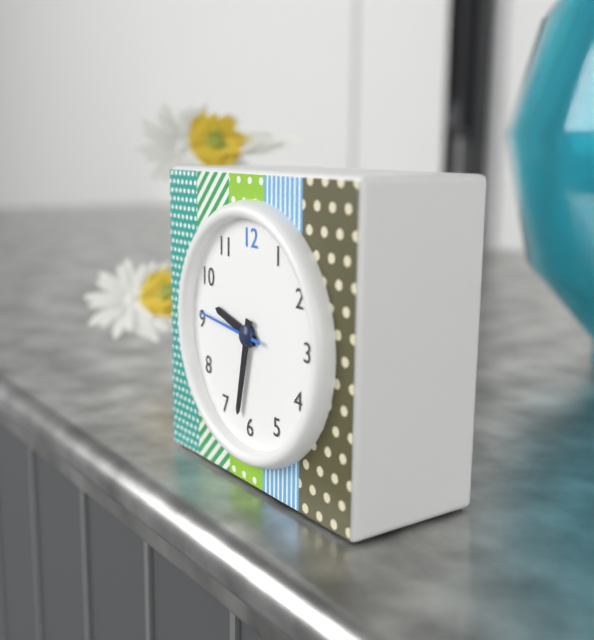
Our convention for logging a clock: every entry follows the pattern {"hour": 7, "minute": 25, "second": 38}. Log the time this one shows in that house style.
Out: {"hour": 9, "minute": 32, "second": 46}
